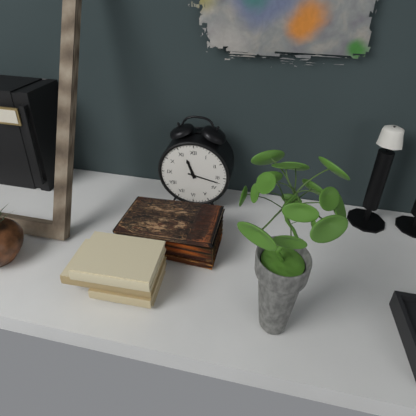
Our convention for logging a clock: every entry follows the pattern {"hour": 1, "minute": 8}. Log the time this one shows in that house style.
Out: {"hour": 11, "minute": 17}
